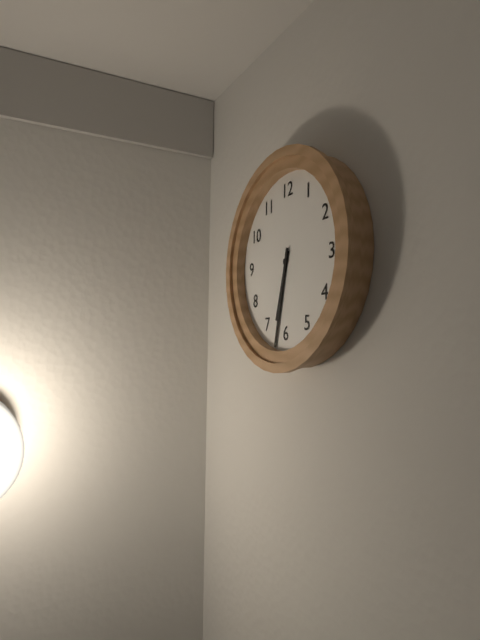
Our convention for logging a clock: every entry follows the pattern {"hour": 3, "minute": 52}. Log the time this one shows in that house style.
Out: {"hour": 6, "minute": 32}
